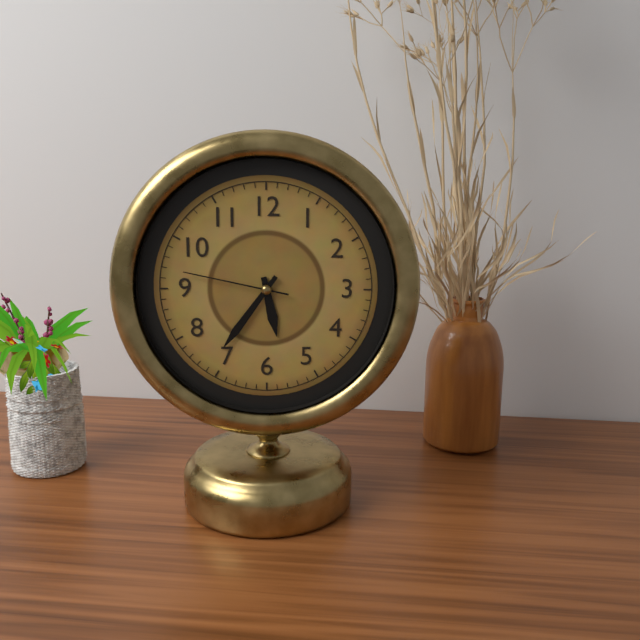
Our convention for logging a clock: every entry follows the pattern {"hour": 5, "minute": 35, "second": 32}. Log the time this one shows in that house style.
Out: {"hour": 5, "minute": 36, "second": 47}
